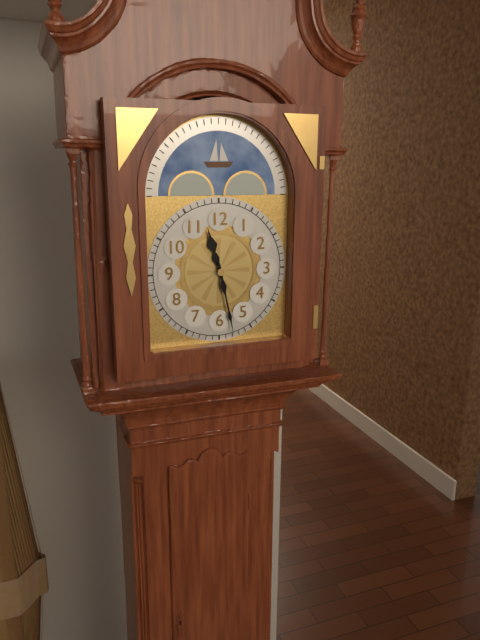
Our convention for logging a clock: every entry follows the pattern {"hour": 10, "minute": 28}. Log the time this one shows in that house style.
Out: {"hour": 11, "minute": 28}
